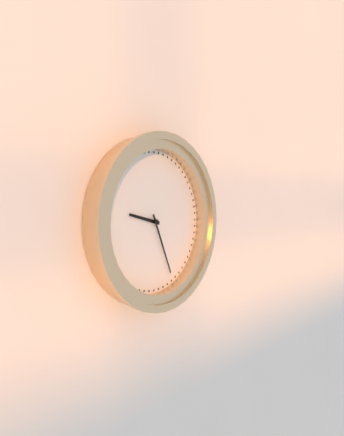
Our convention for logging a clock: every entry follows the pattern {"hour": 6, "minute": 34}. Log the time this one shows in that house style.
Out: {"hour": 9, "minute": 26}
